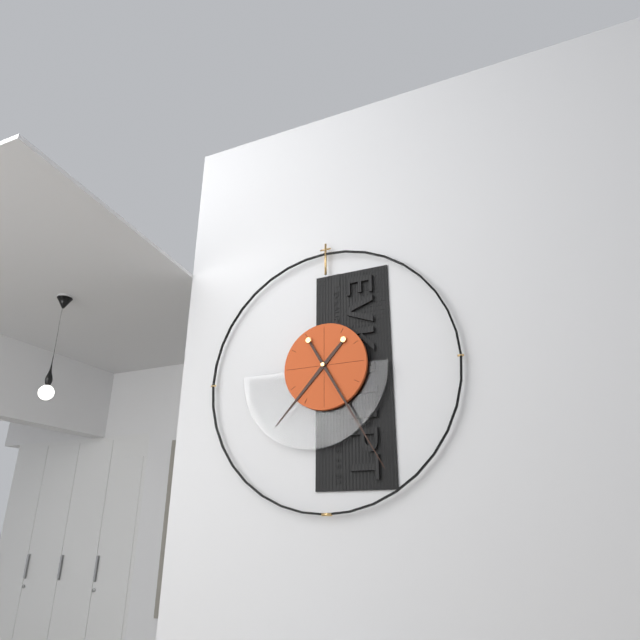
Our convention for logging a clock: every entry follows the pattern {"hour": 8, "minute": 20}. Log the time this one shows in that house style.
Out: {"hour": 7, "minute": 25}
